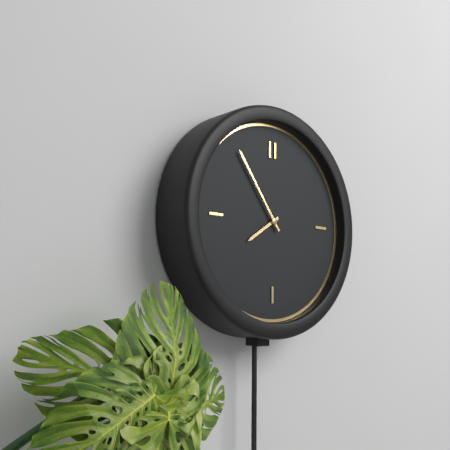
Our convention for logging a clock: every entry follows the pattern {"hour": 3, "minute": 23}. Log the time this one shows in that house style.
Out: {"hour": 7, "minute": 54}
